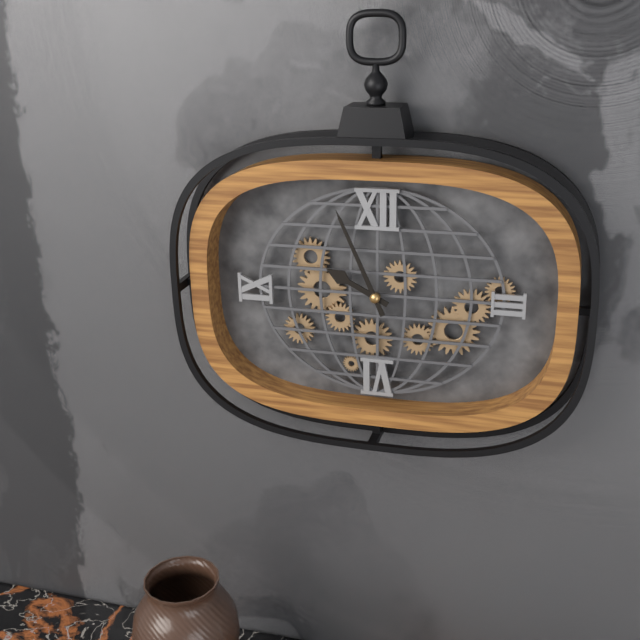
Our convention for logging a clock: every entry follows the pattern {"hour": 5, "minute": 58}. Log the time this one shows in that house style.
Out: {"hour": 9, "minute": 56}
